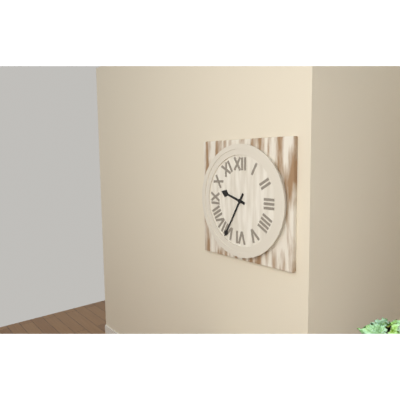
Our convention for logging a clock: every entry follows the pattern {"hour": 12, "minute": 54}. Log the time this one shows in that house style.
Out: {"hour": 9, "minute": 35}
